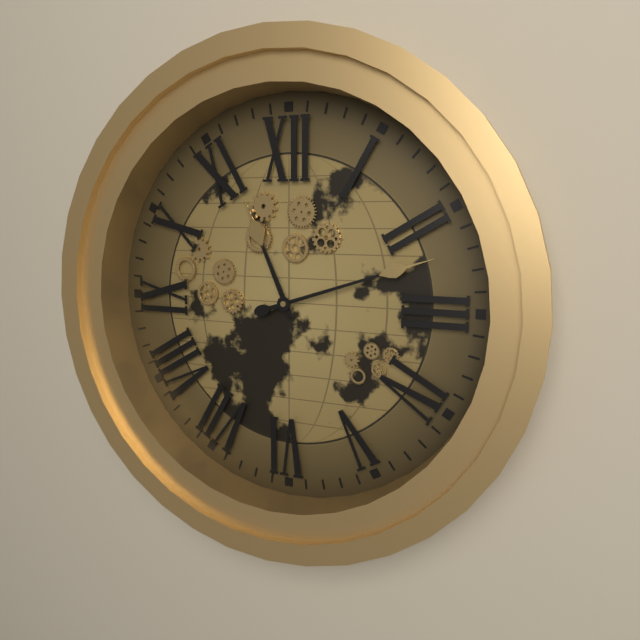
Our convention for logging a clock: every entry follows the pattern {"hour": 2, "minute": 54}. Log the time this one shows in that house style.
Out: {"hour": 11, "minute": 12}
